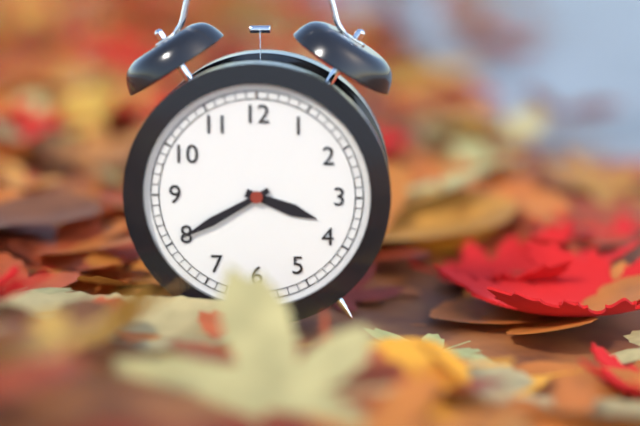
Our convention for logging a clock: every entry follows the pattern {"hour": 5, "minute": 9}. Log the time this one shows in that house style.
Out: {"hour": 3, "minute": 40}
